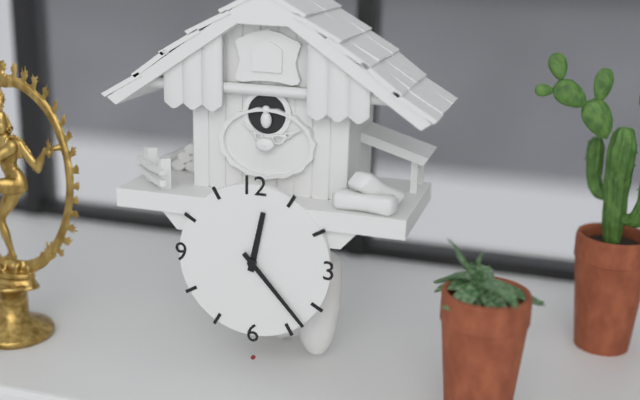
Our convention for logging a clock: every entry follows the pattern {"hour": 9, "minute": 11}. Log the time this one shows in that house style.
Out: {"hour": 12, "minute": 23}
